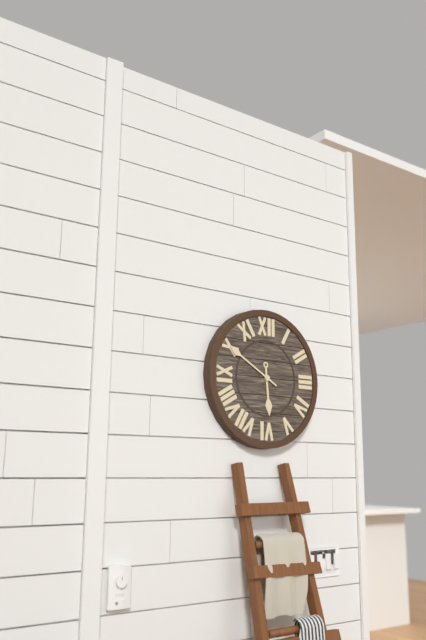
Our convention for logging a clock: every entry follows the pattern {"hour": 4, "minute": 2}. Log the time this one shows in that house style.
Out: {"hour": 5, "minute": 50}
